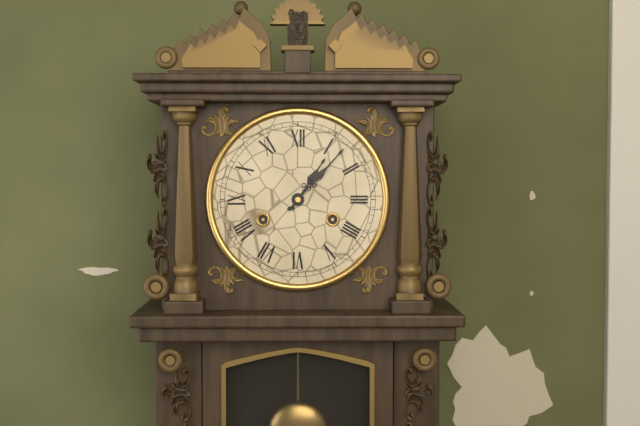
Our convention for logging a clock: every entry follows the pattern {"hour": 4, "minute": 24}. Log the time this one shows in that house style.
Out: {"hour": 1, "minute": 7}
